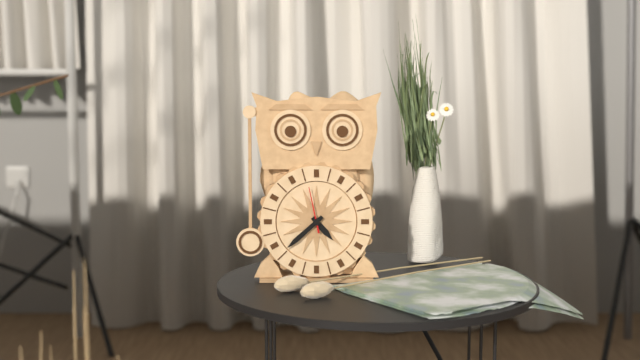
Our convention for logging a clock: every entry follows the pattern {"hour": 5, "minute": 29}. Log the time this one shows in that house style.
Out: {"hour": 4, "minute": 38}
